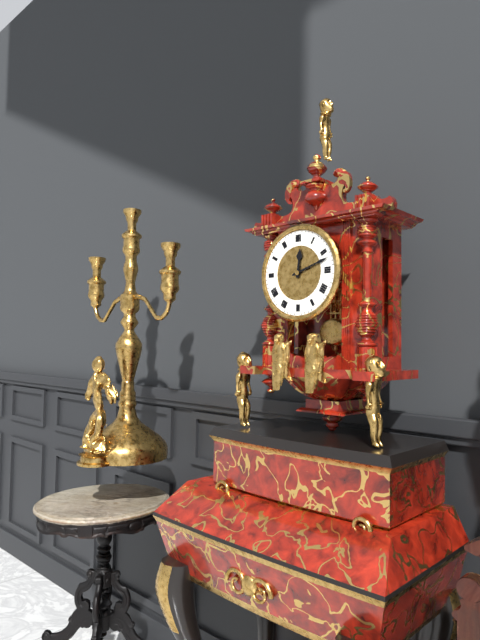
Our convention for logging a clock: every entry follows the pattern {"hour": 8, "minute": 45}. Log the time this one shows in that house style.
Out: {"hour": 12, "minute": 12}
